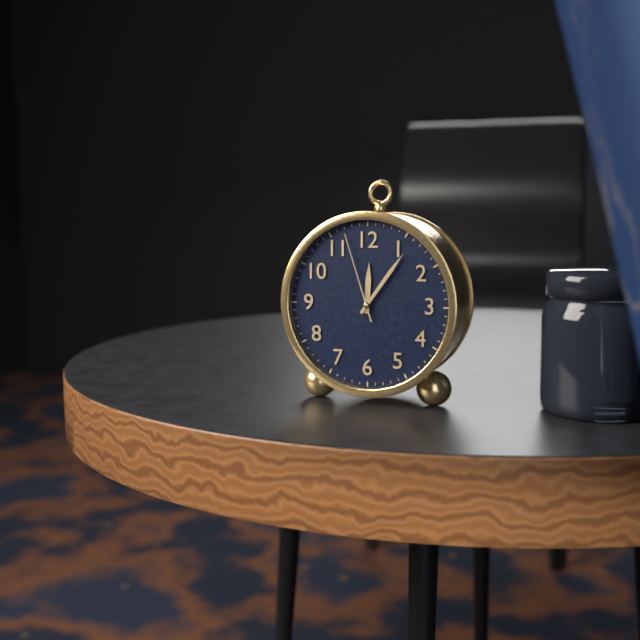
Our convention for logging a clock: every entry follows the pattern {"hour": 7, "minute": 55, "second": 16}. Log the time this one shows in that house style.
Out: {"hour": 12, "minute": 6, "second": 57}
